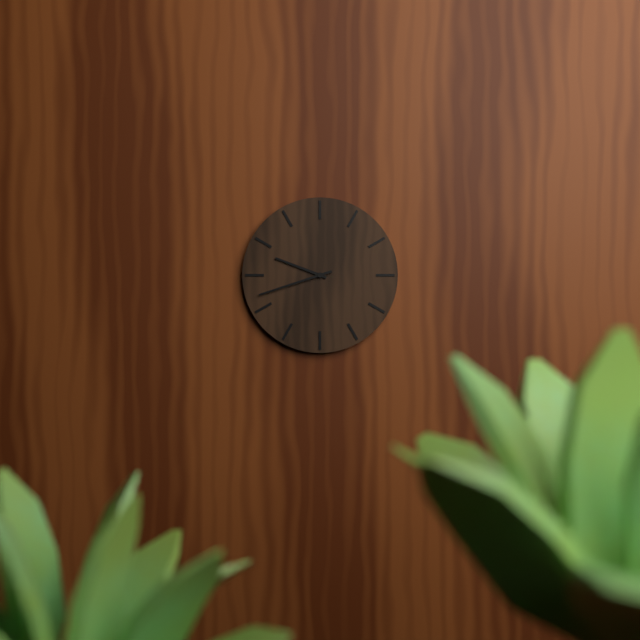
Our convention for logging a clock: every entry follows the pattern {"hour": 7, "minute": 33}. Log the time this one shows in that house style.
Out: {"hour": 9, "minute": 42}
